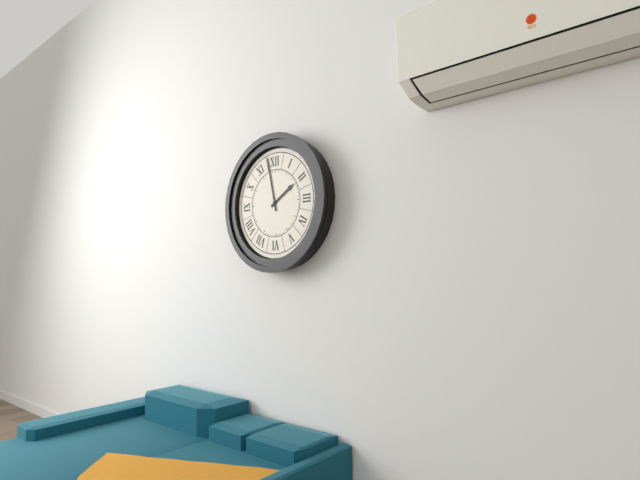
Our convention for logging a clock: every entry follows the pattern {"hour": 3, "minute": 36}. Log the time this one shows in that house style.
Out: {"hour": 1, "minute": 58}
